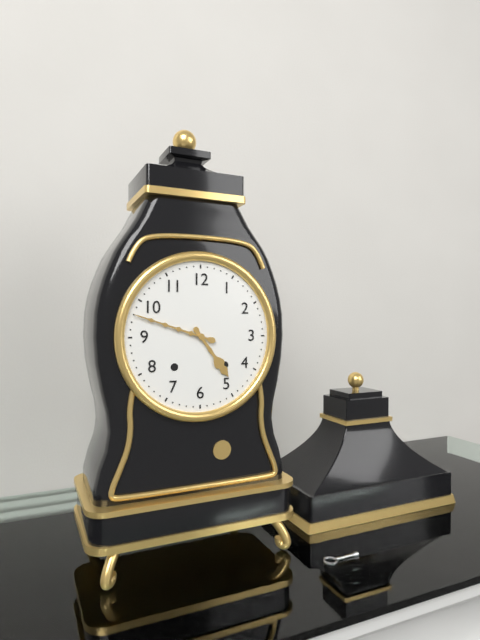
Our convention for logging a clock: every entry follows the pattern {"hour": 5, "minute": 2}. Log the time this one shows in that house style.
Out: {"hour": 4, "minute": 48}
